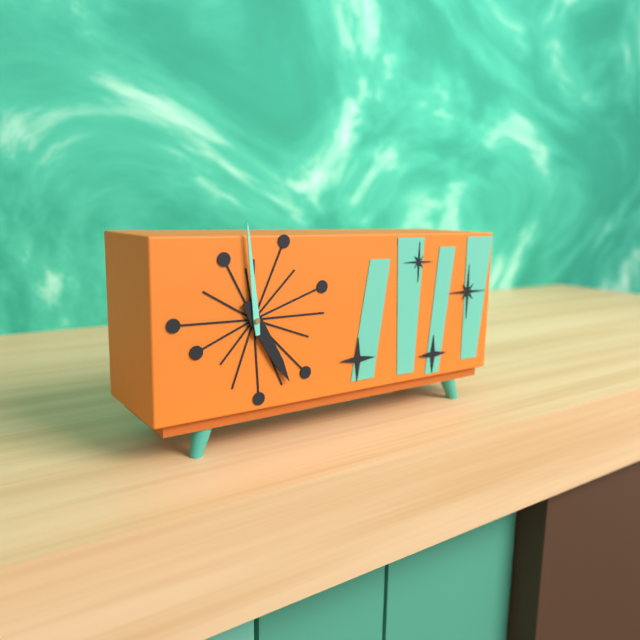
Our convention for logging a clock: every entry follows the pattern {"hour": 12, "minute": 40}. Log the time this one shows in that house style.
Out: {"hour": 4, "minute": 59}
